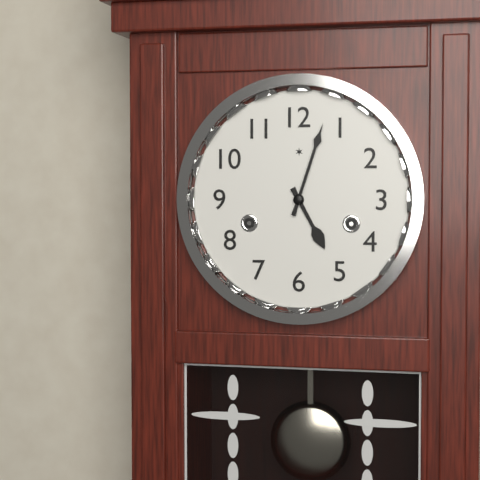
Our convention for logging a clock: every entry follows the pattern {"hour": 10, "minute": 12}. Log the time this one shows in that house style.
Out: {"hour": 5, "minute": 3}
